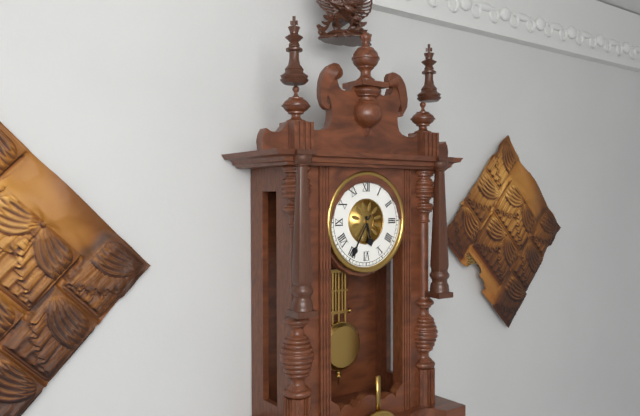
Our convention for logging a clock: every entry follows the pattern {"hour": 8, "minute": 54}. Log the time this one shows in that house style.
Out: {"hour": 5, "minute": 35}
